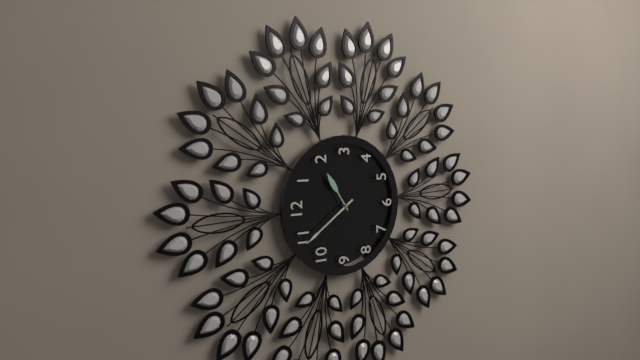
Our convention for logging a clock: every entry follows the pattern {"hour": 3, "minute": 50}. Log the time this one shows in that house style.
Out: {"hour": 1, "minute": 54}
